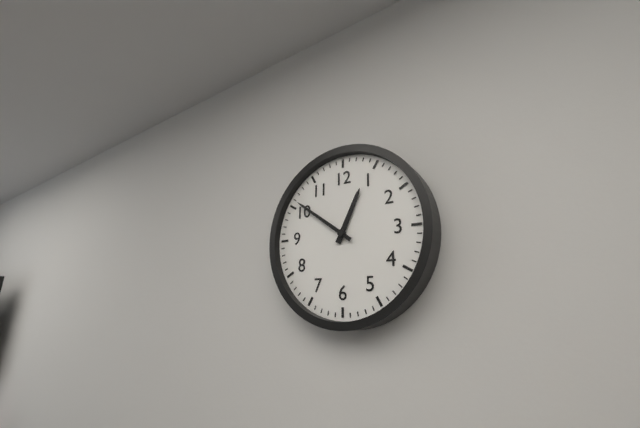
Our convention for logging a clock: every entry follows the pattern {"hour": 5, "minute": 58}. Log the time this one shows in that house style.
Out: {"hour": 12, "minute": 51}
